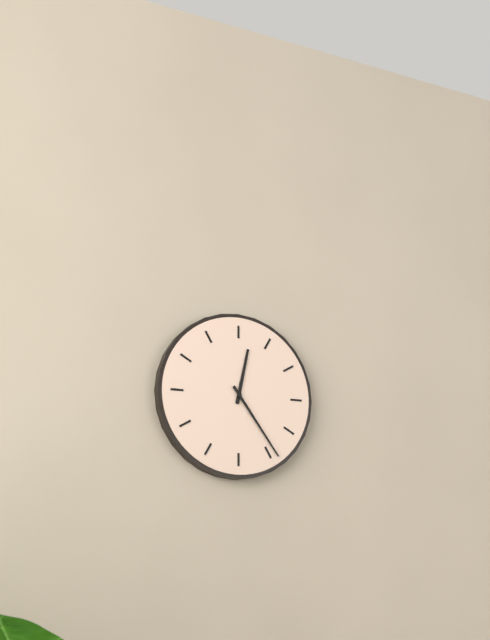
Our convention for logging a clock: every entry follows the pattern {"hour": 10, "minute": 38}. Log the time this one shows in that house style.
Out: {"hour": 12, "minute": 24}
